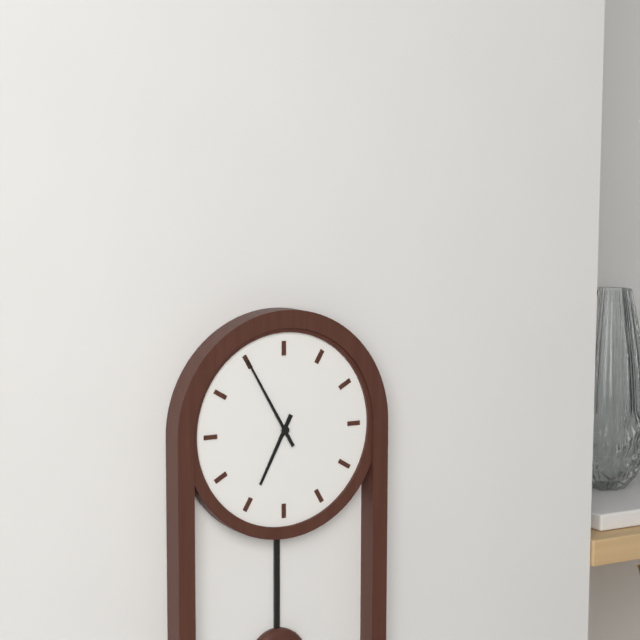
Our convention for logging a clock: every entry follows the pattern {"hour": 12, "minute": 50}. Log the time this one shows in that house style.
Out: {"hour": 6, "minute": 55}
